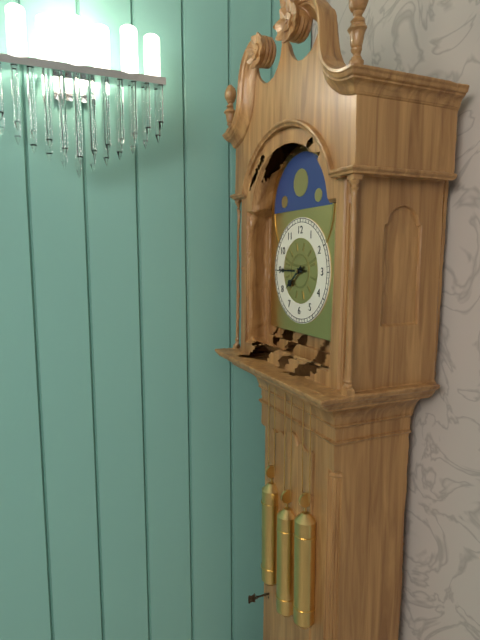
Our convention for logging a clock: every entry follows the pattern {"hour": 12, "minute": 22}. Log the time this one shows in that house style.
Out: {"hour": 7, "minute": 45}
